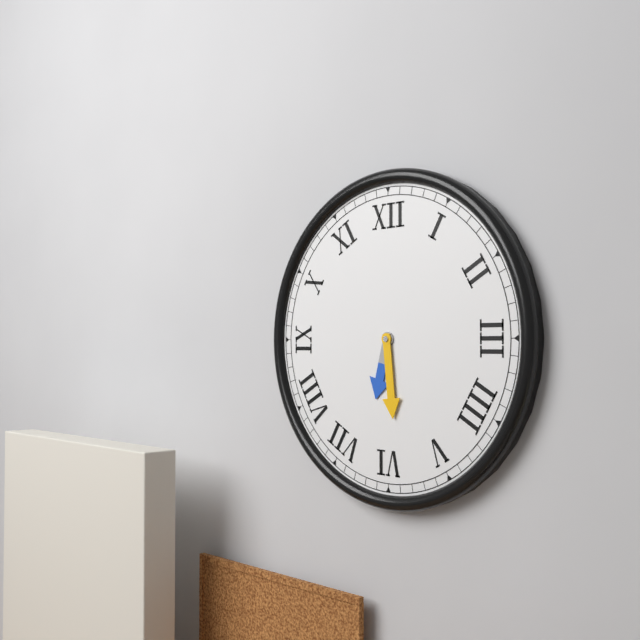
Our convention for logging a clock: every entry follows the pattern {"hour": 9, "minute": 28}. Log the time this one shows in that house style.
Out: {"hour": 6, "minute": 29}
